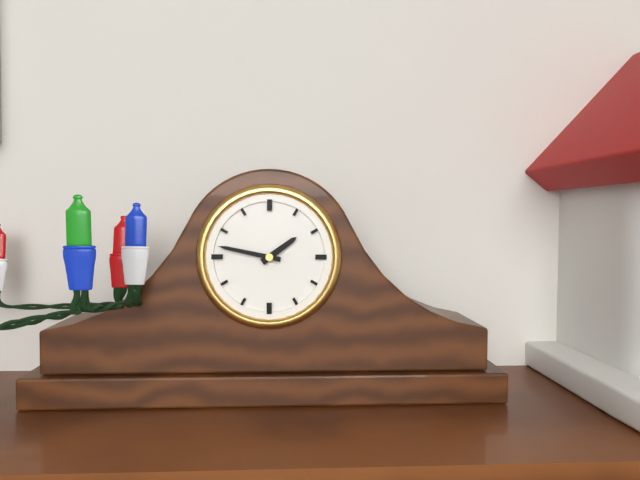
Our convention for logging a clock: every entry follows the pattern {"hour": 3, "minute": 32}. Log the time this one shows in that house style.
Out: {"hour": 1, "minute": 47}
